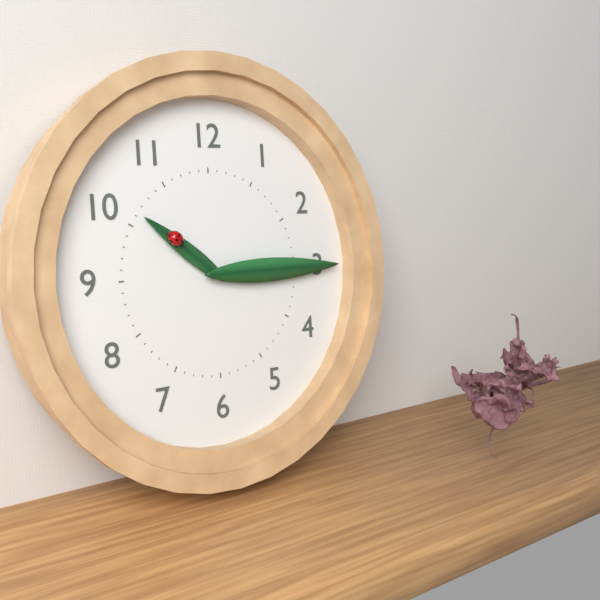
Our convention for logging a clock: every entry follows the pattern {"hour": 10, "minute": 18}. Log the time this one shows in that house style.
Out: {"hour": 10, "minute": 15}
